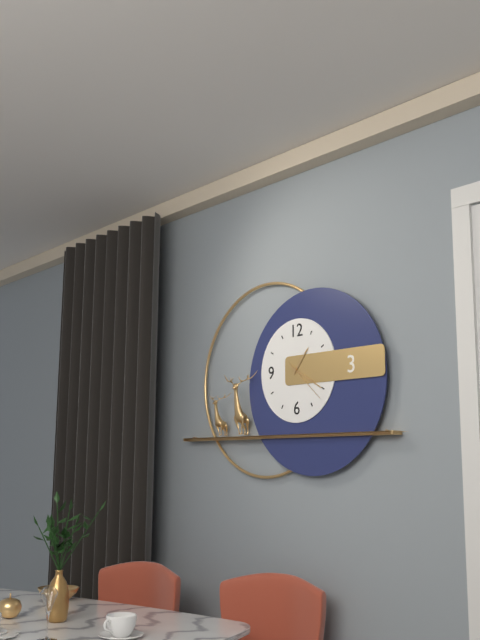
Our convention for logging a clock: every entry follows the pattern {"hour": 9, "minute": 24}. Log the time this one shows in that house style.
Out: {"hour": 1, "minute": 20}
